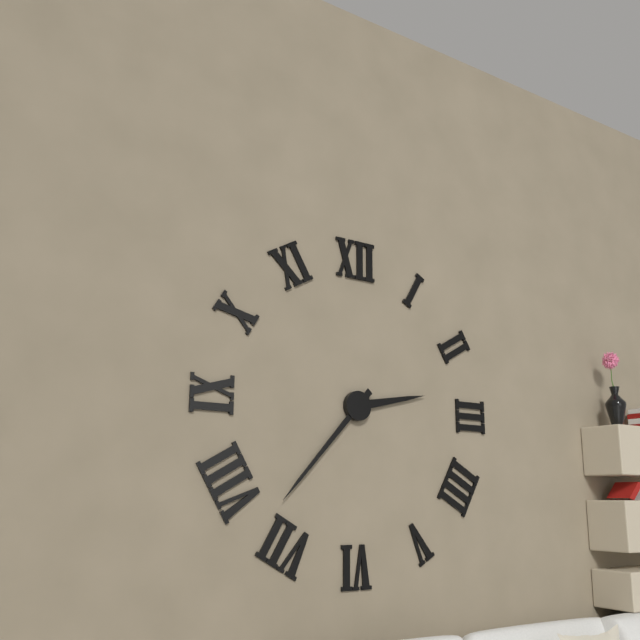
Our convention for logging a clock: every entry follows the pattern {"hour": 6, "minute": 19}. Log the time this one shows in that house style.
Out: {"hour": 2, "minute": 37}
